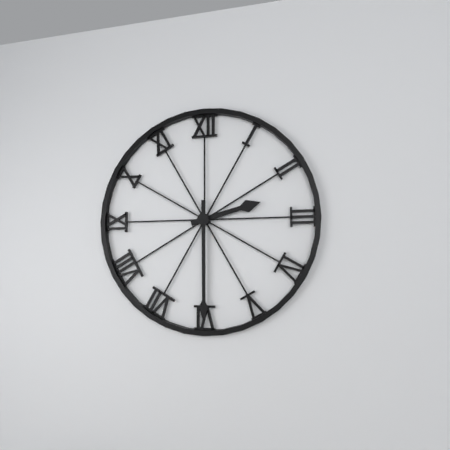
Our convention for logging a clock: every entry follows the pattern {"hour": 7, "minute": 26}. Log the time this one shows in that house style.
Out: {"hour": 2, "minute": 30}
